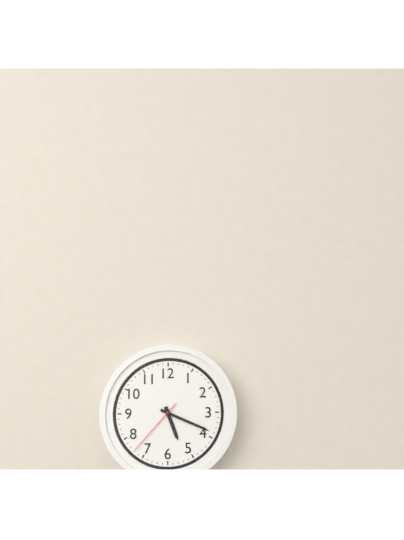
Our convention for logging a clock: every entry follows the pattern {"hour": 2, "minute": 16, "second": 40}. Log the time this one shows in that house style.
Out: {"hour": 5, "minute": 19, "second": 37}
